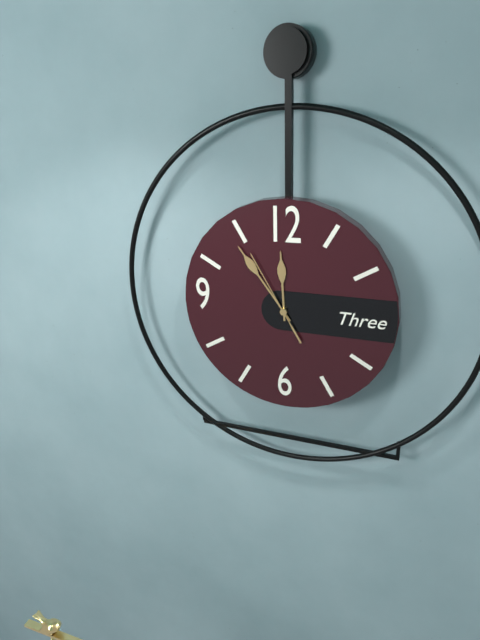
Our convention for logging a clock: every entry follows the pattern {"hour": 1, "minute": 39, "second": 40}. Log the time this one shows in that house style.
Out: {"hour": 11, "minute": 54, "second": 55}
